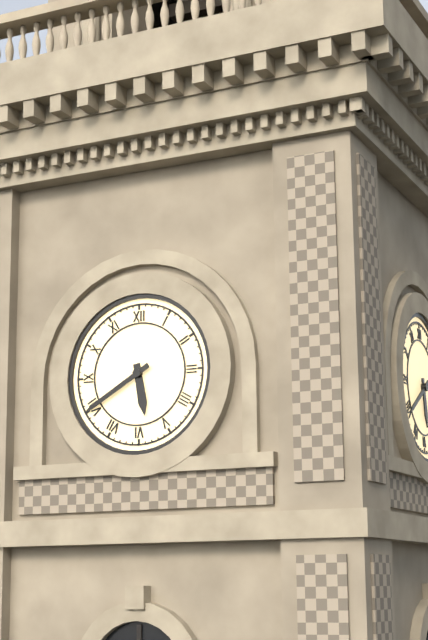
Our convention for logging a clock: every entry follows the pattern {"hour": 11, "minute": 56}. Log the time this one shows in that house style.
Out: {"hour": 5, "minute": 40}
